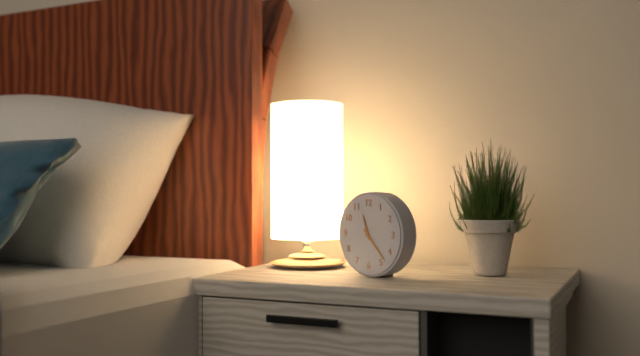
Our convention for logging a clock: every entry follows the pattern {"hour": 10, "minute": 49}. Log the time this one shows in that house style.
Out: {"hour": 11, "minute": 23}
